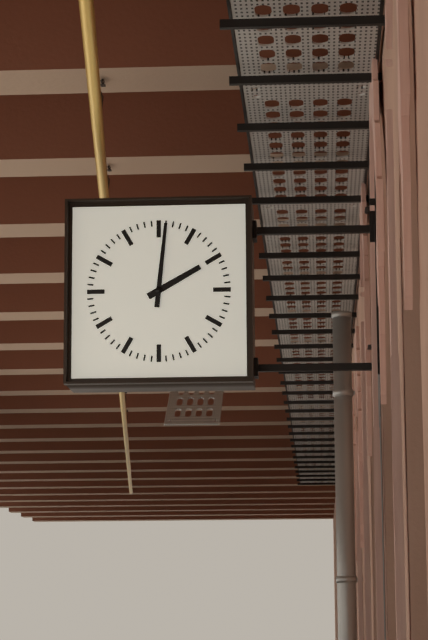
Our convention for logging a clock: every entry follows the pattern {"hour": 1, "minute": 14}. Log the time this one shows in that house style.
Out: {"hour": 2, "minute": 1}
